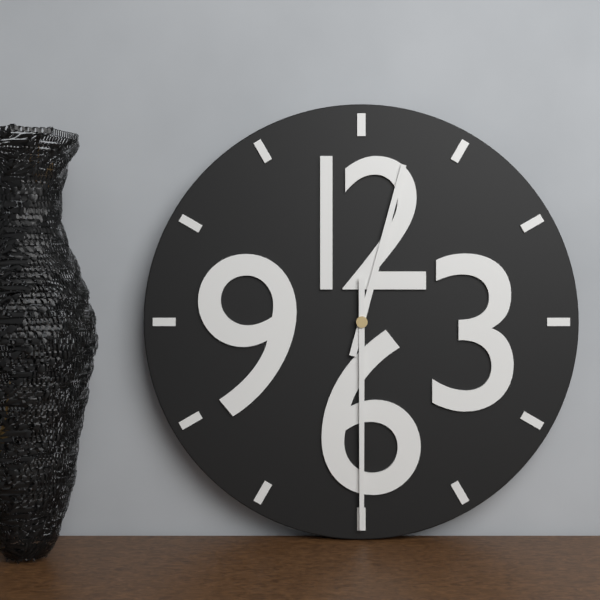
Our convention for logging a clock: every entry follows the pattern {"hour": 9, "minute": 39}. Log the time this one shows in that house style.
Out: {"hour": 12, "minute": 30}
